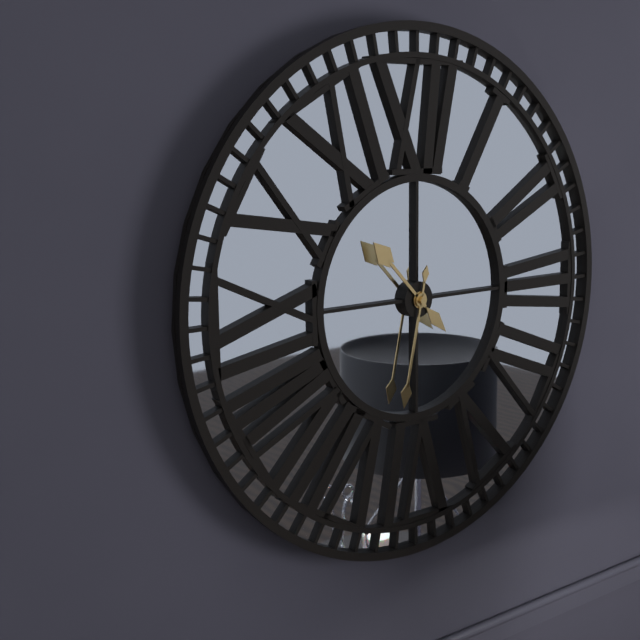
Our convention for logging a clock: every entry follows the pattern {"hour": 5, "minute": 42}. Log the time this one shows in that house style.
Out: {"hour": 10, "minute": 32}
